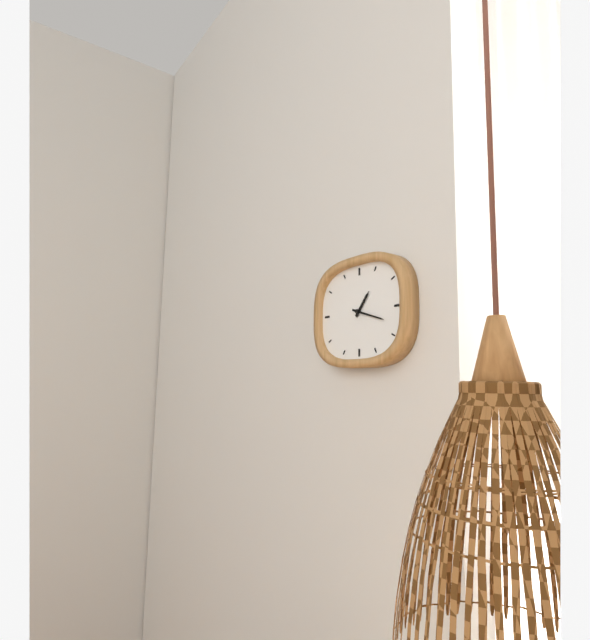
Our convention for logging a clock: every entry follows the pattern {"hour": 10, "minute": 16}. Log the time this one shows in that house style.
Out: {"hour": 1, "minute": 18}
